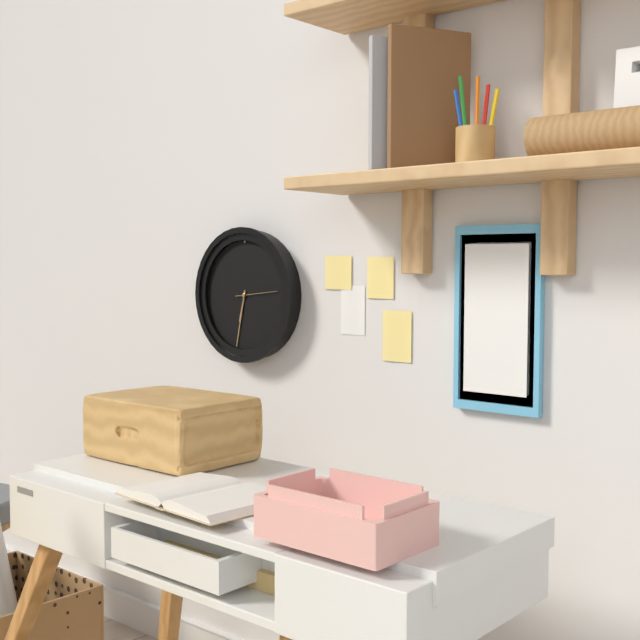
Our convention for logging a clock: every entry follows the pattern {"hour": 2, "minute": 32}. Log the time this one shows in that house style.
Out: {"hour": 6, "minute": 32}
